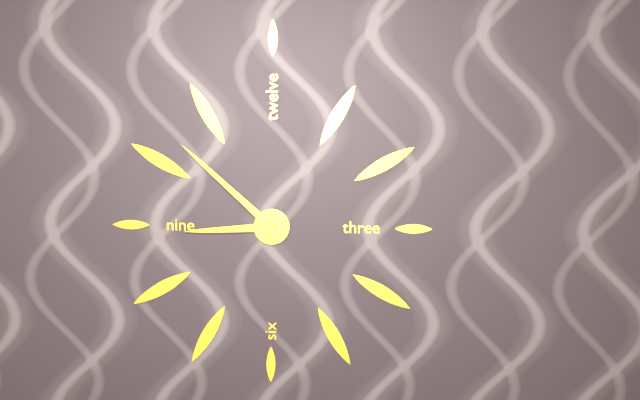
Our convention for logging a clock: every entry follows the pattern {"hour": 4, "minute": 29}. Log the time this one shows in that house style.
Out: {"hour": 8, "minute": 52}
